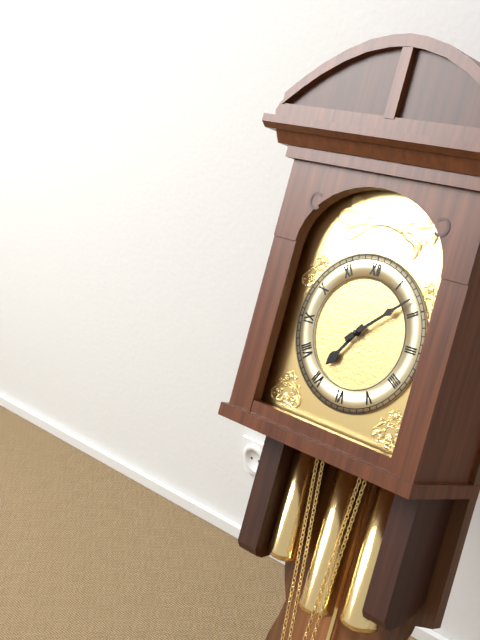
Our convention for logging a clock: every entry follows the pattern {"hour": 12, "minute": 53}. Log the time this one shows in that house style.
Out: {"hour": 7, "minute": 8}
